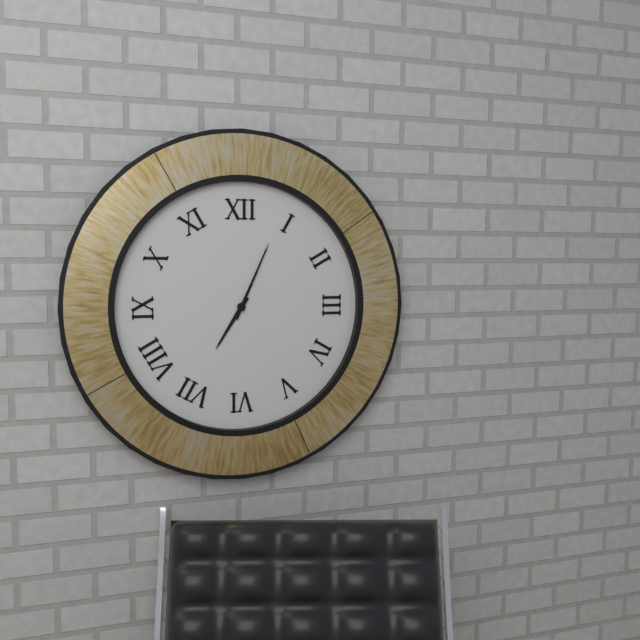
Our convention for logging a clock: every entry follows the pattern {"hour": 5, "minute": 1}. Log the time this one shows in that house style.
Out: {"hour": 7, "minute": 4}
